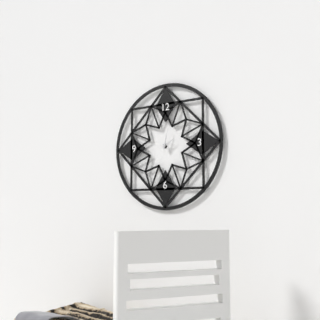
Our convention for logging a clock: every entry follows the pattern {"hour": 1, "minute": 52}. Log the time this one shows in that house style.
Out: {"hour": 2, "minute": 2}
